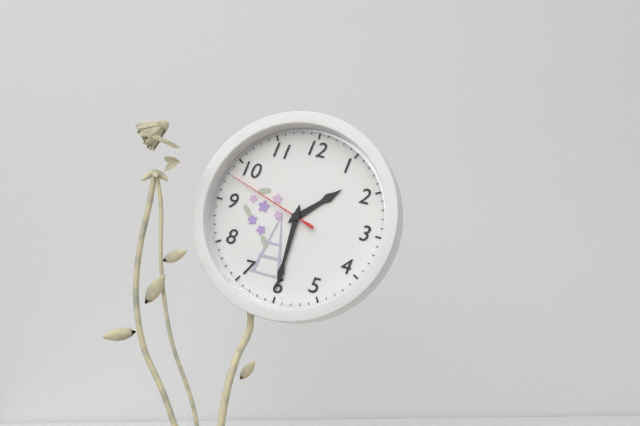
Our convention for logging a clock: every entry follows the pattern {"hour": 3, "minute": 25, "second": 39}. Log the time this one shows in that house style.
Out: {"hour": 1, "minute": 30, "second": 48}
